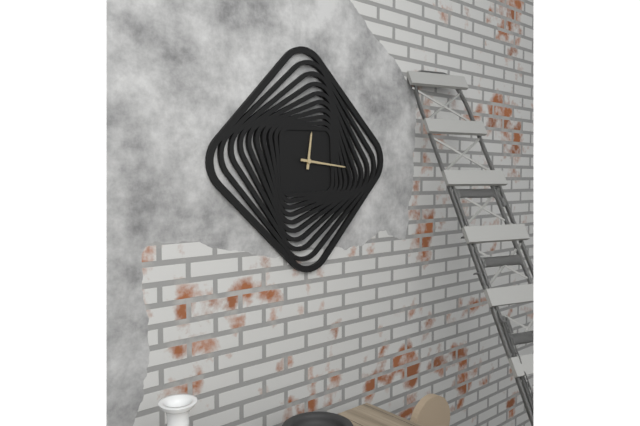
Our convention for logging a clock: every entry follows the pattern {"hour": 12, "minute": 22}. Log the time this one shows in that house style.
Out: {"hour": 12, "minute": 16}
